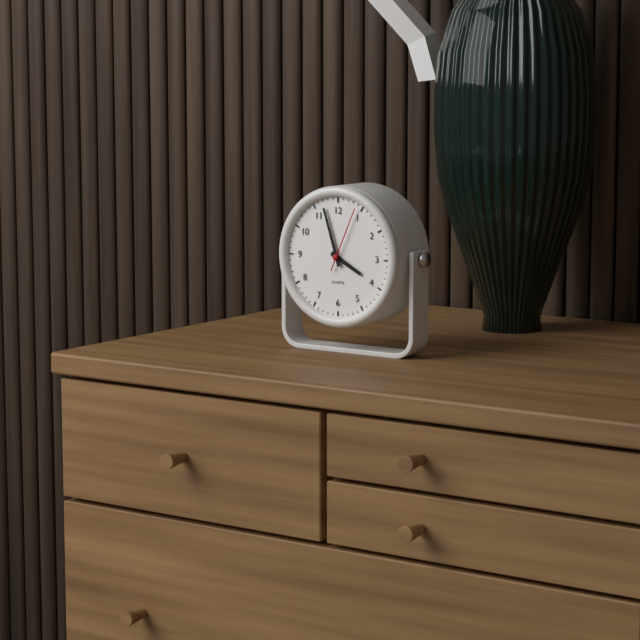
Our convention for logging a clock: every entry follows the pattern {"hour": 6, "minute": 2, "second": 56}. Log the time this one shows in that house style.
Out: {"hour": 3, "minute": 57, "second": 4}
